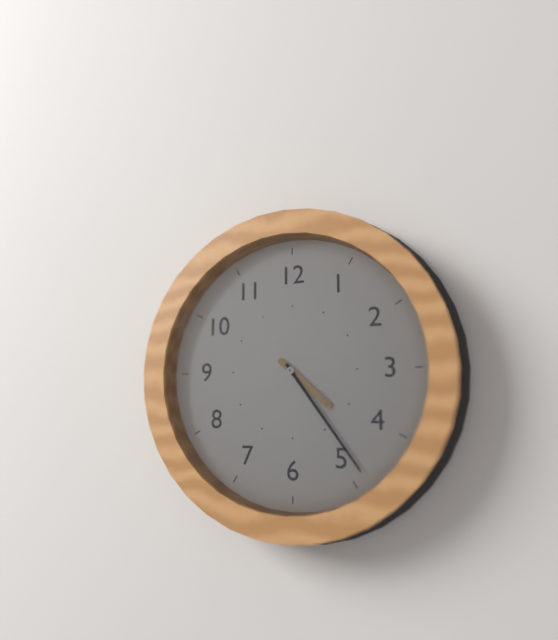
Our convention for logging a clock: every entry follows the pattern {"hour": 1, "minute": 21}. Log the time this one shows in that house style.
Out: {"hour": 4, "minute": 24}
